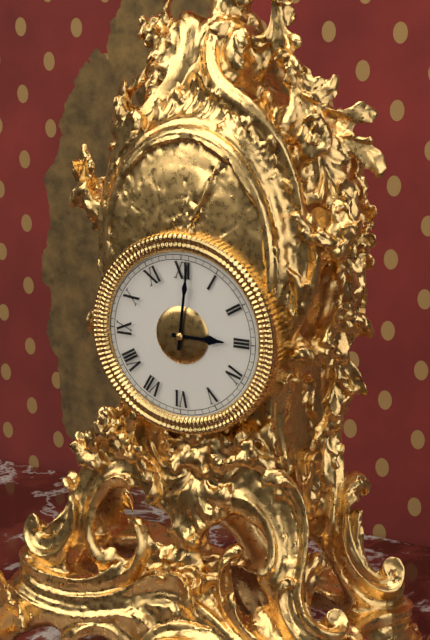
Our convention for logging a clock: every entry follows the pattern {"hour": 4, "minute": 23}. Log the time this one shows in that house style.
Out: {"hour": 3, "minute": 1}
